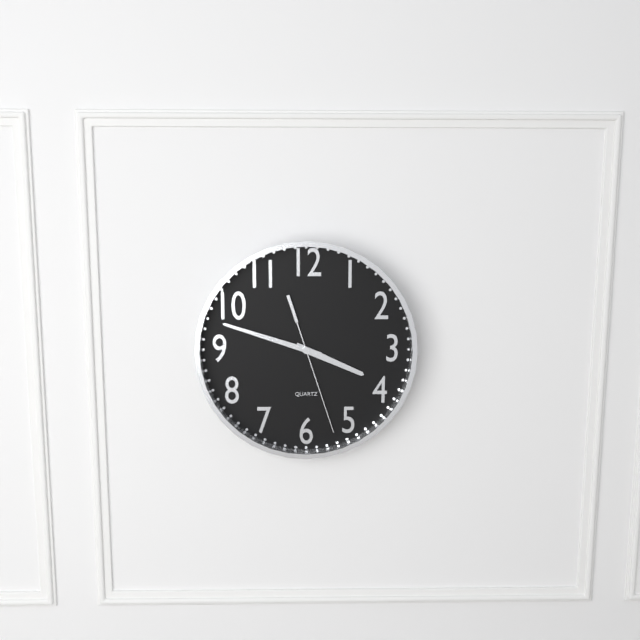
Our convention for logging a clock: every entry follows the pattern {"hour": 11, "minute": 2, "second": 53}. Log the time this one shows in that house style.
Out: {"hour": 3, "minute": 48, "second": 27}
